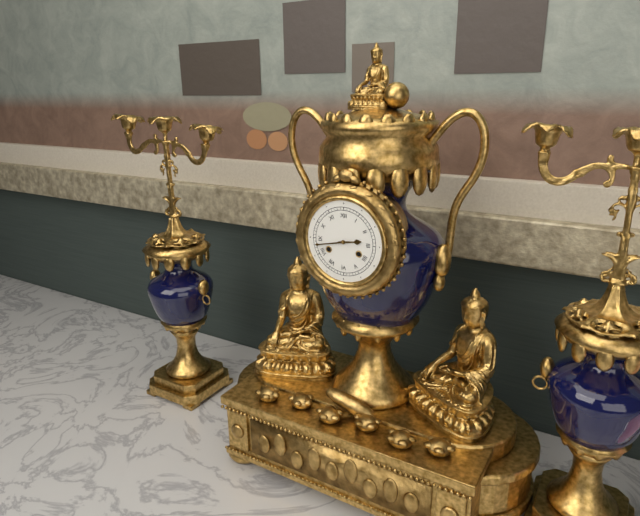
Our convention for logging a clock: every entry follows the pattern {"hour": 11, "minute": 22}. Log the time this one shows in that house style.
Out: {"hour": 2, "minute": 43}
